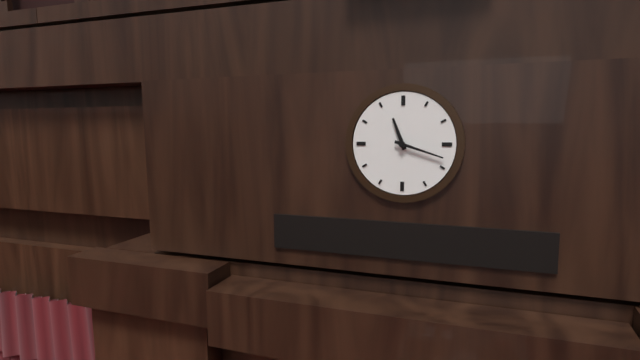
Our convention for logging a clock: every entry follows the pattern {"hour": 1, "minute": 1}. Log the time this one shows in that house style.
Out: {"hour": 11, "minute": 18}
